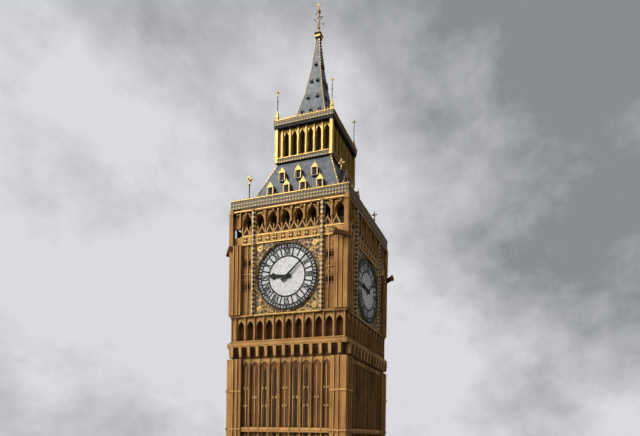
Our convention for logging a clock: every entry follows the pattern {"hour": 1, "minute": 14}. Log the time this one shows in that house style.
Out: {"hour": 9, "minute": 8}
